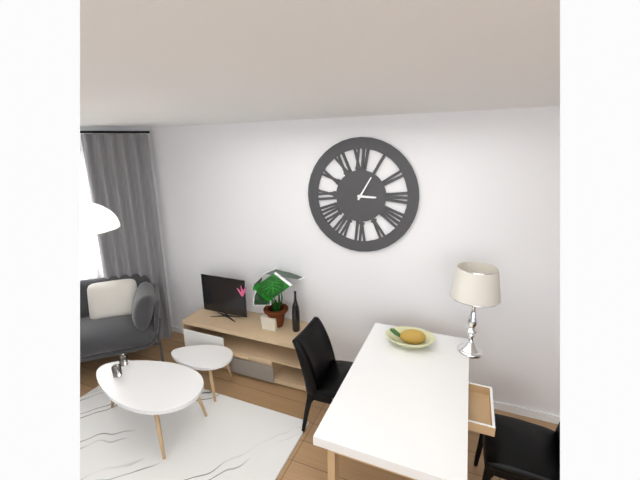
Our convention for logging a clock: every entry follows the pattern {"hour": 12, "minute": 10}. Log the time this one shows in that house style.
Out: {"hour": 3, "minute": 5}
